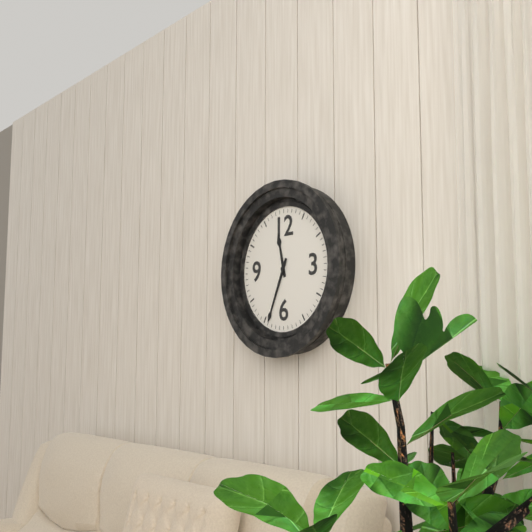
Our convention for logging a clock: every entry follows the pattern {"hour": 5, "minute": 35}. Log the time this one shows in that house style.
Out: {"hour": 11, "minute": 34}
